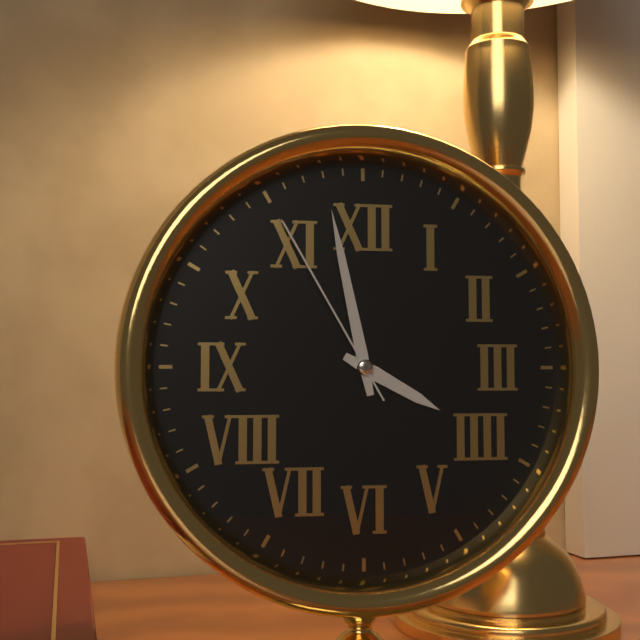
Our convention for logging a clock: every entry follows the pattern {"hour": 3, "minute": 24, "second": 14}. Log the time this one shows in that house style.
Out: {"hour": 3, "minute": 58, "second": 55}
